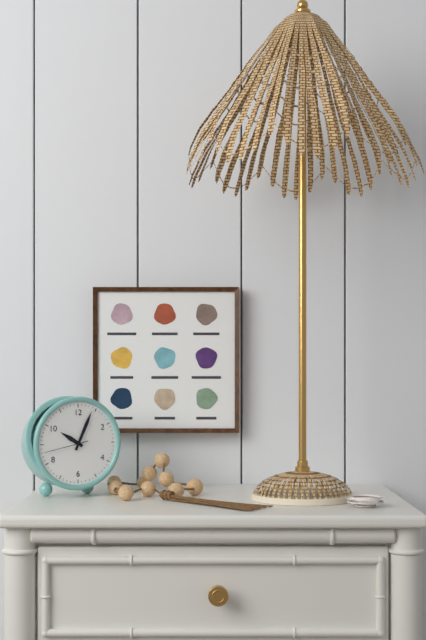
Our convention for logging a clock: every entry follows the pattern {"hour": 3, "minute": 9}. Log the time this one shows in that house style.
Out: {"hour": 10, "minute": 4}
